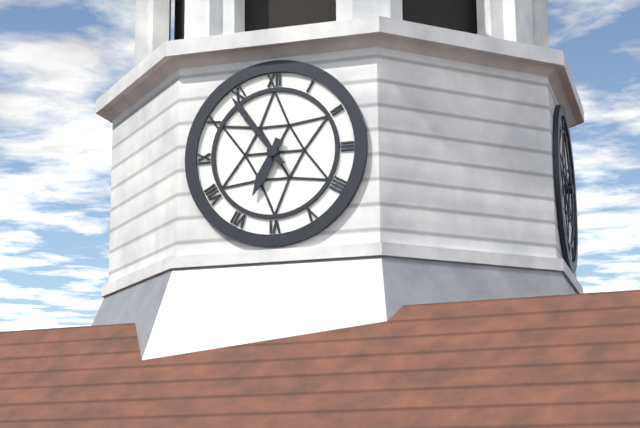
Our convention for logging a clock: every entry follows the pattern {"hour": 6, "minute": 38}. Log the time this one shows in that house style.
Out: {"hour": 6, "minute": 54}
